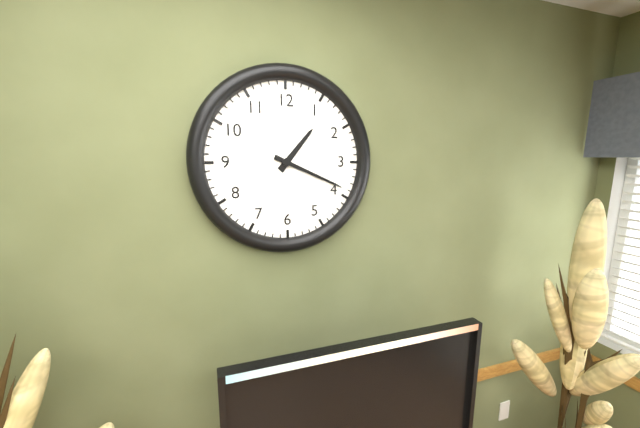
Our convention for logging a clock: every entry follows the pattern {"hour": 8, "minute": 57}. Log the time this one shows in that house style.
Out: {"hour": 1, "minute": 19}
